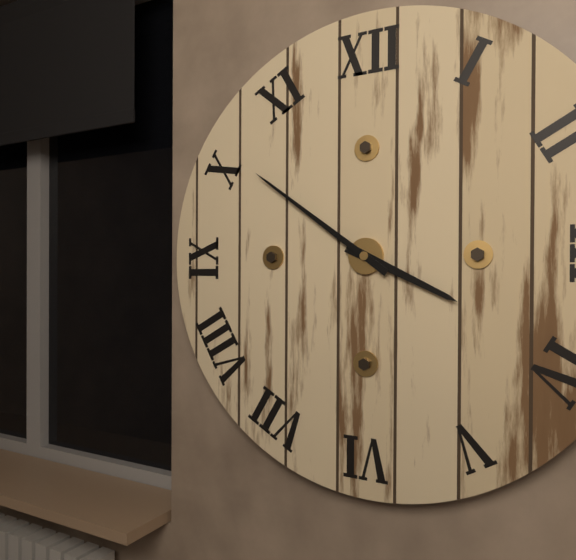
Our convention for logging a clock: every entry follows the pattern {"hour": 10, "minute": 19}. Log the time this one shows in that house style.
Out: {"hour": 3, "minute": 51}
